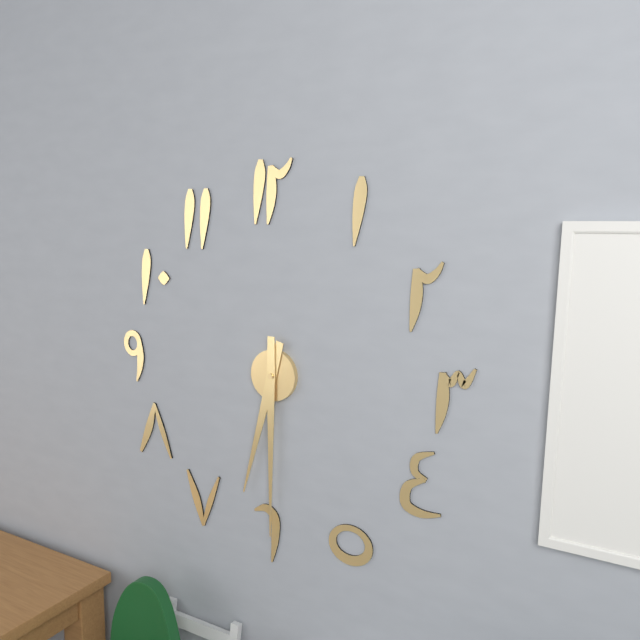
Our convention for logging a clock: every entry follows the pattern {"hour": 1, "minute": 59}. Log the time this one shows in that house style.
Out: {"hour": 6, "minute": 30}
